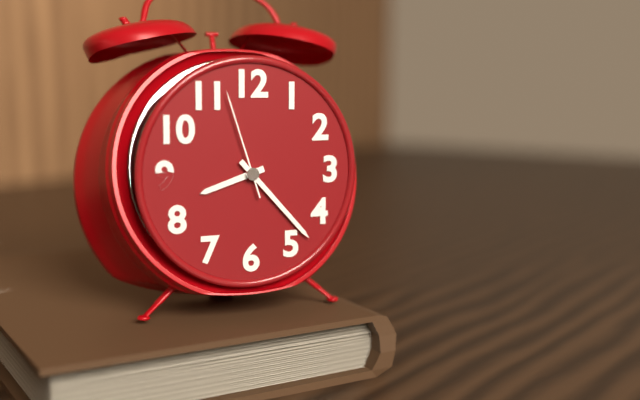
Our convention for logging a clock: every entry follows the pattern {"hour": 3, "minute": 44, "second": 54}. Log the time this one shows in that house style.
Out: {"hour": 8, "minute": 23, "second": 57}
